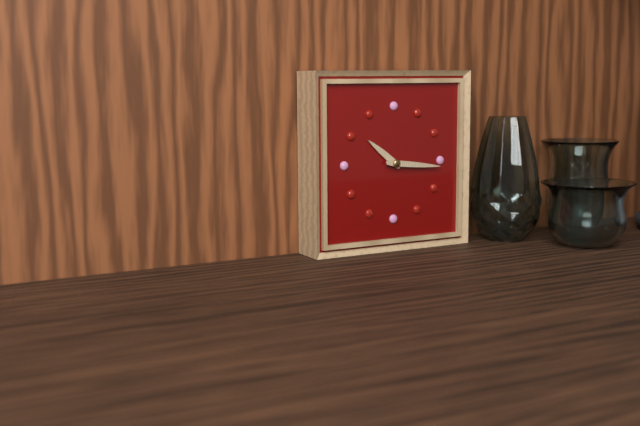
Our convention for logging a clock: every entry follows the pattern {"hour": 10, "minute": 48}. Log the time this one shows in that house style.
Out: {"hour": 10, "minute": 16}
